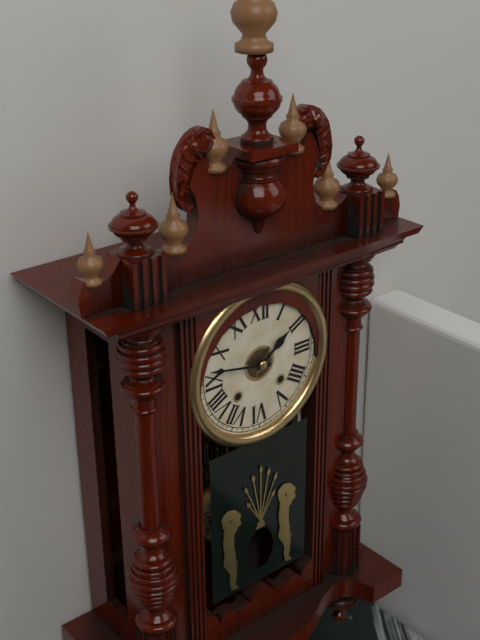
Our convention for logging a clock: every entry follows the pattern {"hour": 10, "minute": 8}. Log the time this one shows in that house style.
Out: {"hour": 1, "minute": 47}
